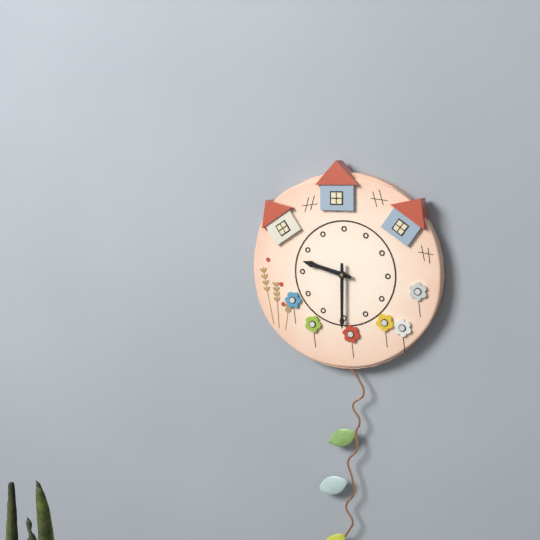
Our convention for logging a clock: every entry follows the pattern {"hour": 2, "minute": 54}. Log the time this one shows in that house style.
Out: {"hour": 9, "minute": 30}
